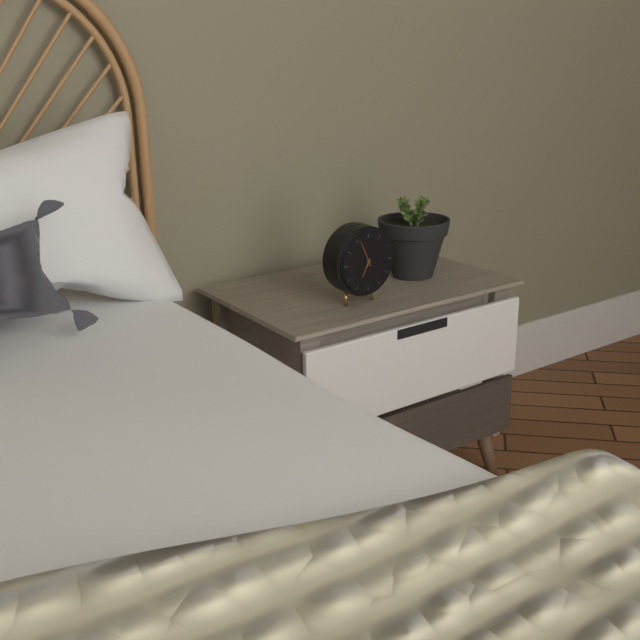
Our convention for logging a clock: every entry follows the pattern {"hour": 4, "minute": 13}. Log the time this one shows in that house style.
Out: {"hour": 6, "minute": 56}
